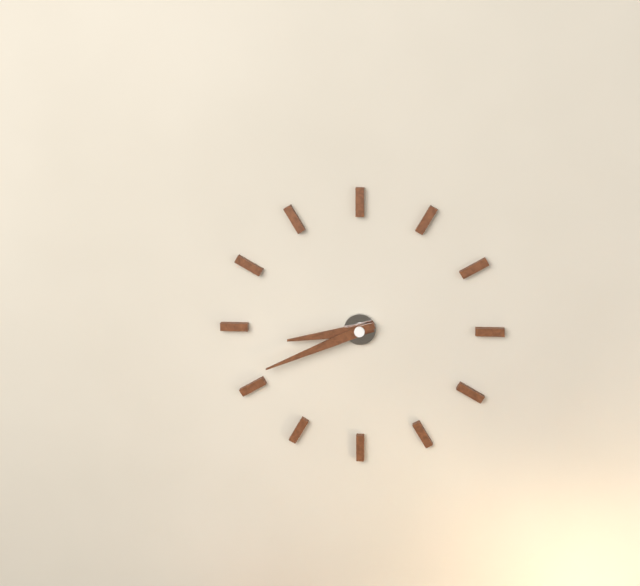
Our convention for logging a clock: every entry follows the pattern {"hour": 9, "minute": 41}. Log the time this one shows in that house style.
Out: {"hour": 8, "minute": 41}
